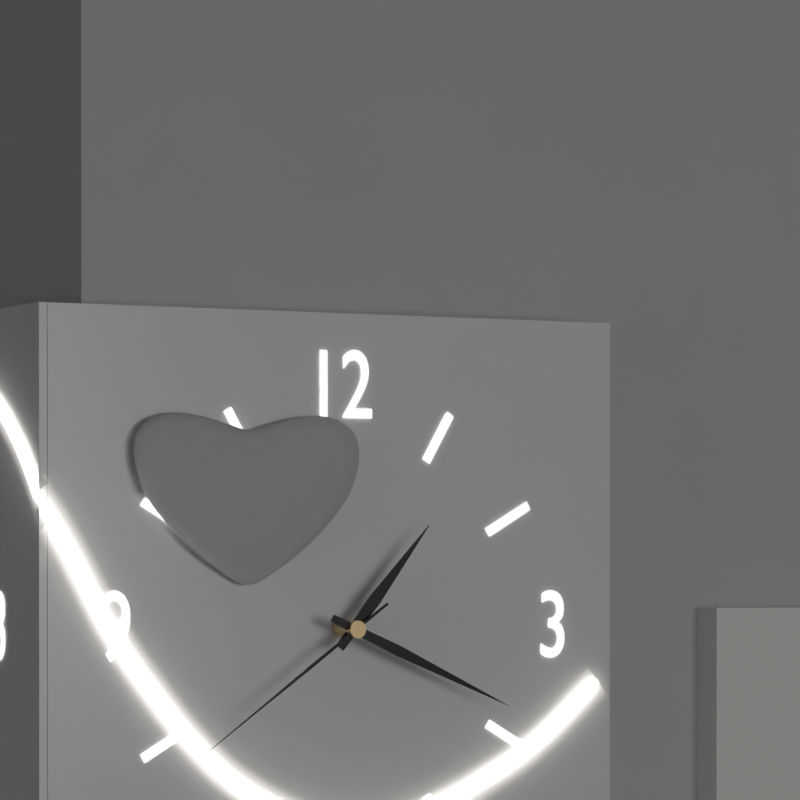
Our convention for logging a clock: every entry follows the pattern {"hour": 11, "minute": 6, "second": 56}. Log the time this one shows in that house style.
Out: {"hour": 1, "minute": 19, "second": 39}
